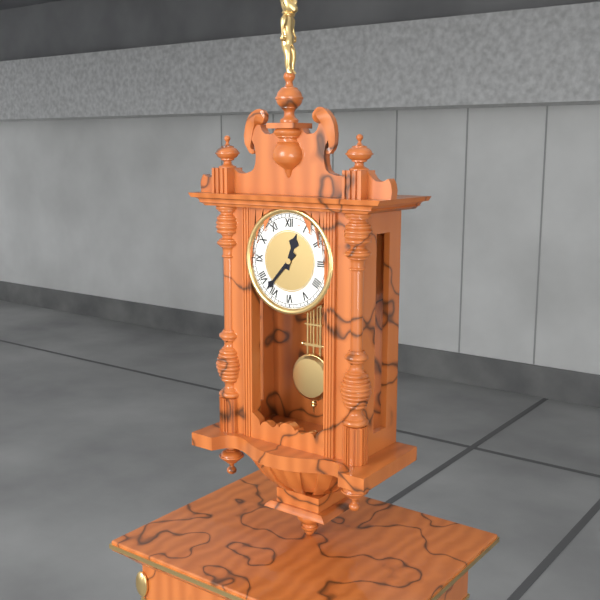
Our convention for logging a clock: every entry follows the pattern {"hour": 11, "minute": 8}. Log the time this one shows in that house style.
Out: {"hour": 12, "minute": 37}
